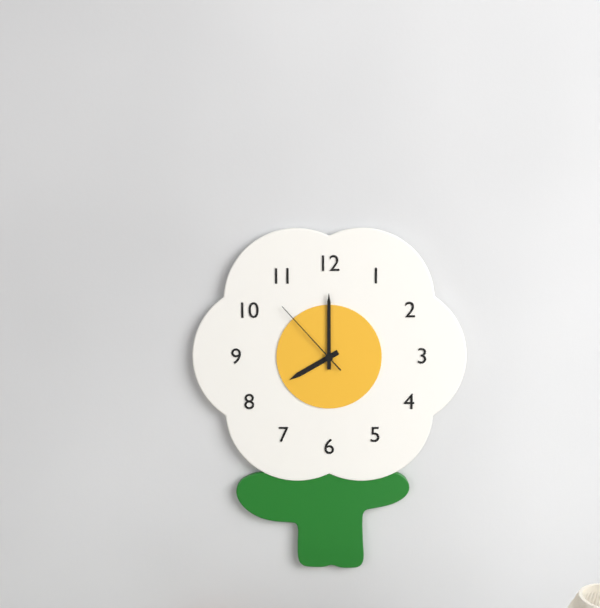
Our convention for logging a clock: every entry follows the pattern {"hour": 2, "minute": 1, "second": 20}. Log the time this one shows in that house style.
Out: {"hour": 8, "minute": 0, "second": 53}
